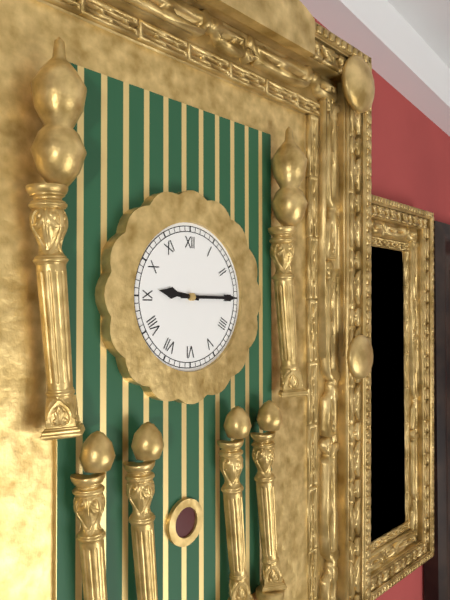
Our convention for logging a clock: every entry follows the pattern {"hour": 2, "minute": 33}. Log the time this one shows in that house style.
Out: {"hour": 9, "minute": 15}
